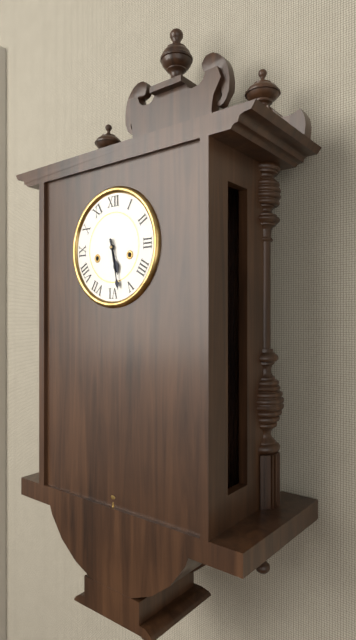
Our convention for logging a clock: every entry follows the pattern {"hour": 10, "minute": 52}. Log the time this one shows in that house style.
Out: {"hour": 5, "minute": 28}
